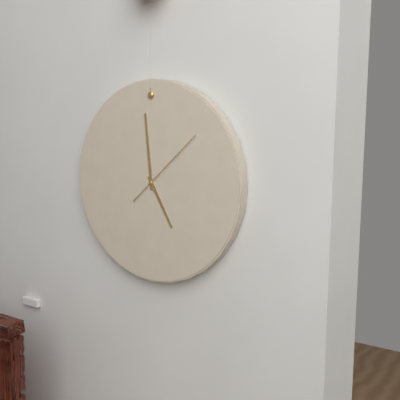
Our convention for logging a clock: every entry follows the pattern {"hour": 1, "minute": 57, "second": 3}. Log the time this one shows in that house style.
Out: {"hour": 4, "minute": 59, "second": 8}
